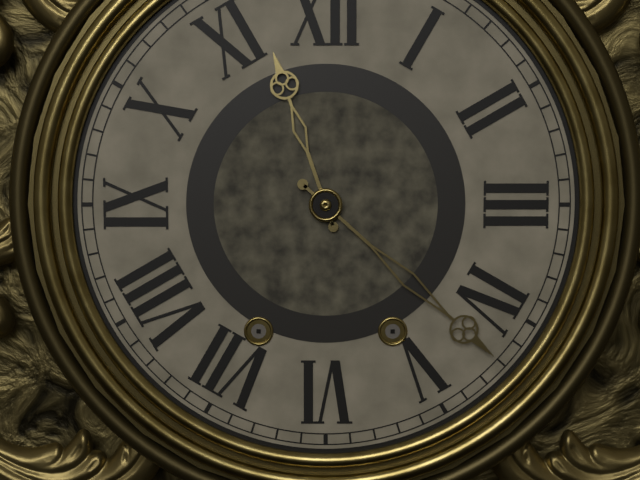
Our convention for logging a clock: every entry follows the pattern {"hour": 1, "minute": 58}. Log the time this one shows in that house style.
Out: {"hour": 11, "minute": 22}
